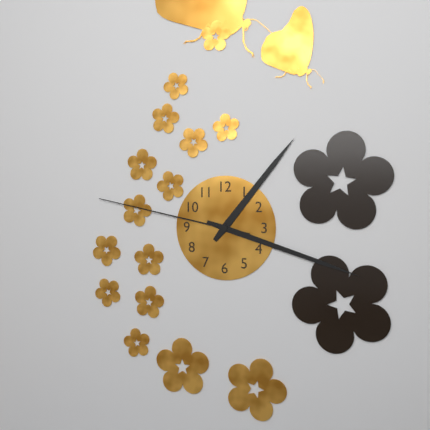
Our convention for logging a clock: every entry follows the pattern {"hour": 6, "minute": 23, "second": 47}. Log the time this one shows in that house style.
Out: {"hour": 1, "minute": 18, "second": 47}
